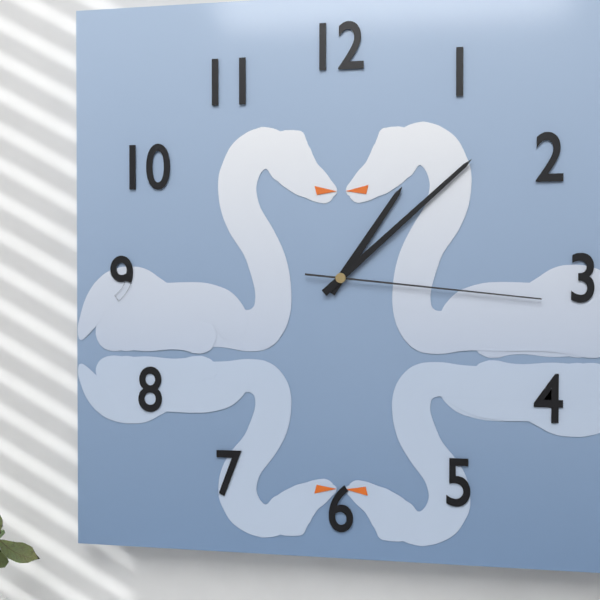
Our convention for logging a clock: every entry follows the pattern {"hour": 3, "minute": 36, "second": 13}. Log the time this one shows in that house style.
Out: {"hour": 1, "minute": 8, "second": 16}
